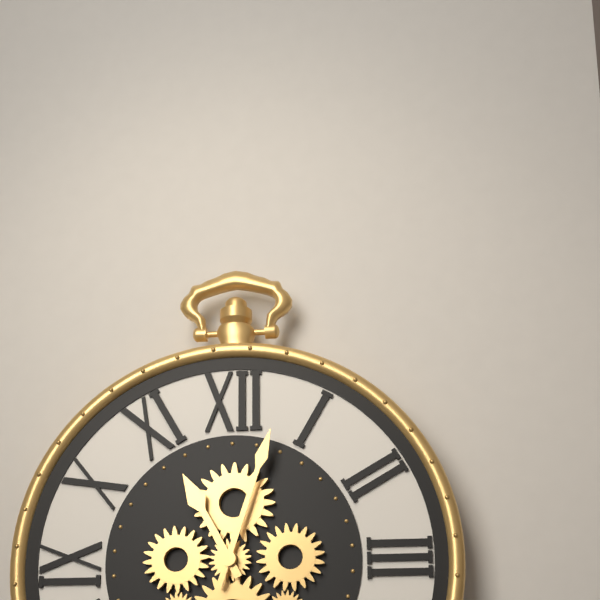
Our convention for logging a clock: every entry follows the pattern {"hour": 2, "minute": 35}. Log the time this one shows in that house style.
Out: {"hour": 11, "minute": 3}
